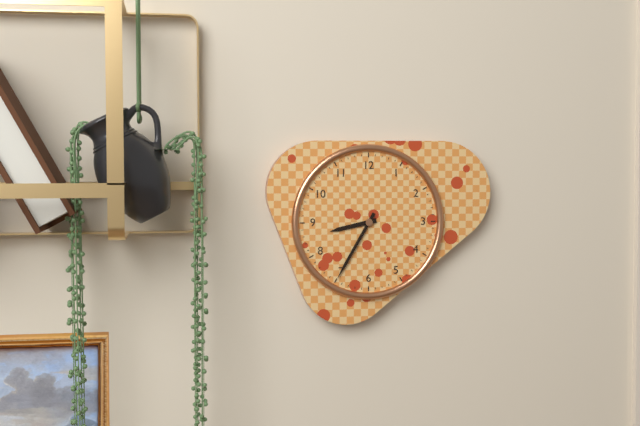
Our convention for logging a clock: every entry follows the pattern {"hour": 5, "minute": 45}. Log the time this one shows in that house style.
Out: {"hour": 8, "minute": 35}
